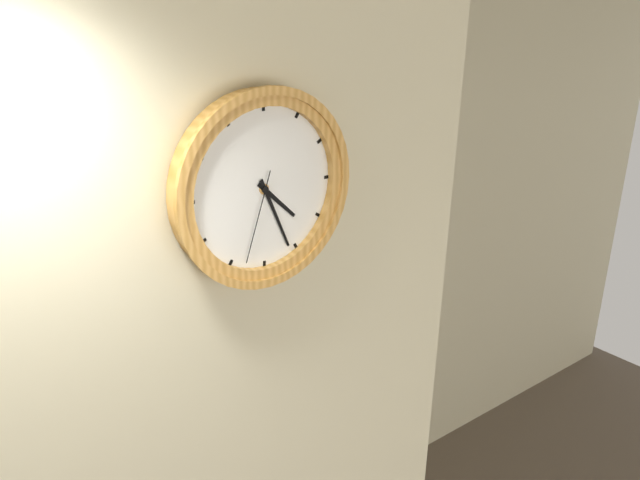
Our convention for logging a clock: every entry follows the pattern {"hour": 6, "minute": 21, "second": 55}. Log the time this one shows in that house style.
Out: {"hour": 4, "minute": 26, "second": 33}
